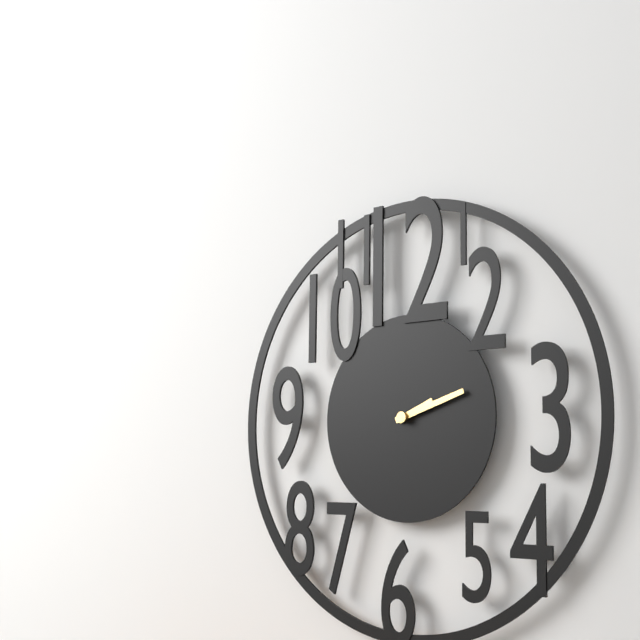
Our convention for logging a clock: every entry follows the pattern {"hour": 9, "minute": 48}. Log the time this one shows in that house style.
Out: {"hour": 2, "minute": 12}
